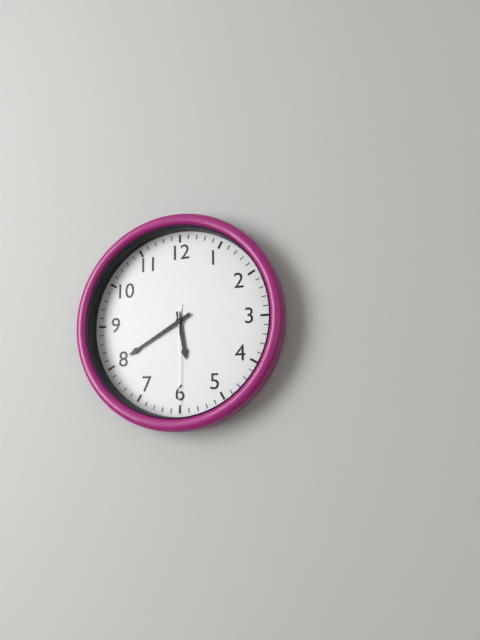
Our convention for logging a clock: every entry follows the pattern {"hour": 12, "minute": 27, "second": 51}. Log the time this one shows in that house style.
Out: {"hour": 5, "minute": 40, "second": 30}
